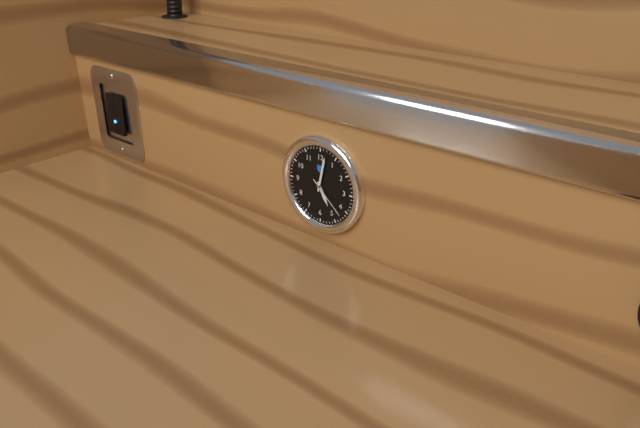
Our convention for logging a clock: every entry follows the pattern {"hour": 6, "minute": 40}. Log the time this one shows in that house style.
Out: {"hour": 5, "minute": 2}
